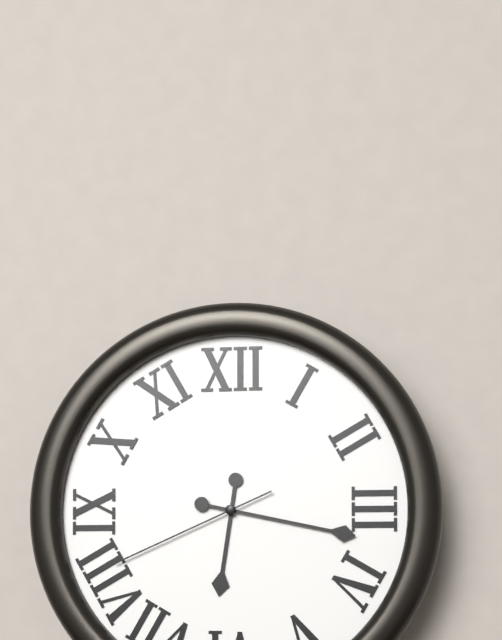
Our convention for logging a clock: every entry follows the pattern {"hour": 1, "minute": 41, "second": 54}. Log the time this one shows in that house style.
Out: {"hour": 6, "minute": 17, "second": 41}
